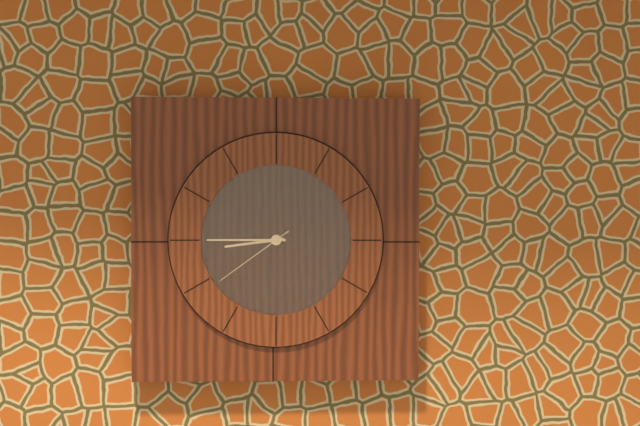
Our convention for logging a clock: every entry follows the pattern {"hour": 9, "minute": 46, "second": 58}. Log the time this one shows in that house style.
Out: {"hour": 8, "minute": 45, "second": 39}
